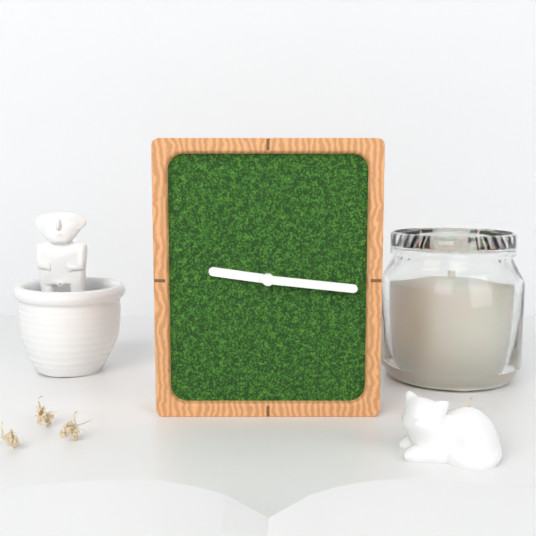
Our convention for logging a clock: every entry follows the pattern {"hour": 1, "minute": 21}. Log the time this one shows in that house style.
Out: {"hour": 9, "minute": 16}
